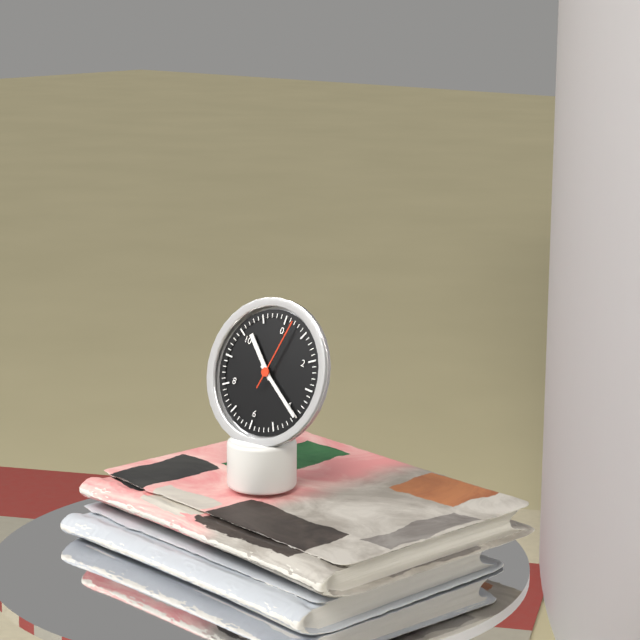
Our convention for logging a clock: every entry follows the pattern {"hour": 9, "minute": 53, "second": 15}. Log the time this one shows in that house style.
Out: {"hour": 10, "minute": 20, "second": 2}
